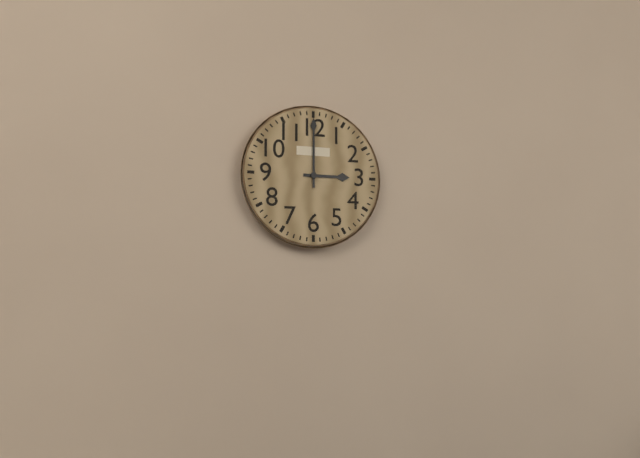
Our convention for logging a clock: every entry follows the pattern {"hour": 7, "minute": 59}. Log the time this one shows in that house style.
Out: {"hour": 3, "minute": 0}
